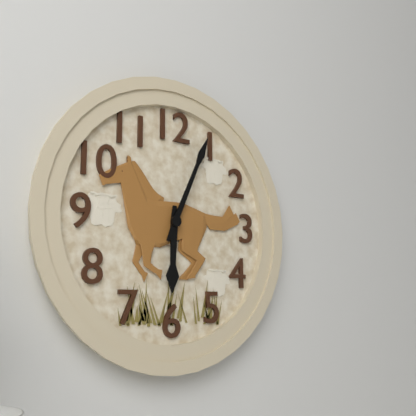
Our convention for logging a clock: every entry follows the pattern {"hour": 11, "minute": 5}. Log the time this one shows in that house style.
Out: {"hour": 6, "minute": 4}
